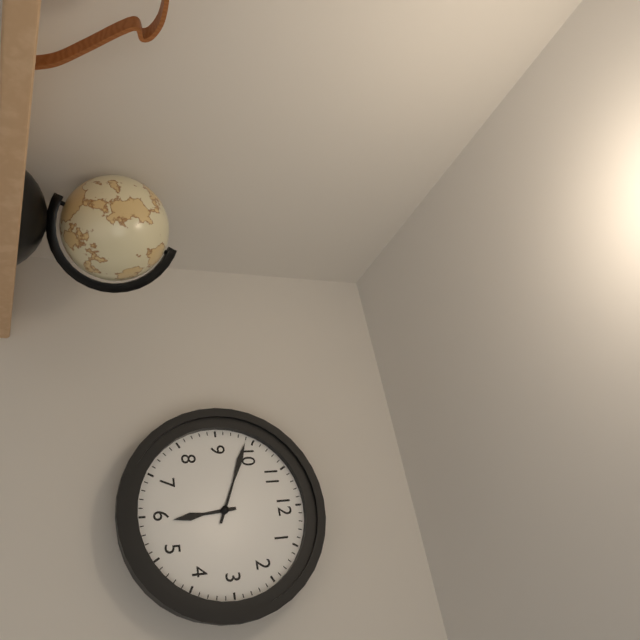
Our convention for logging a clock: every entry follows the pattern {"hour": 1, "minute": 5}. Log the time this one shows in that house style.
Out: {"hour": 5, "minute": 49}
